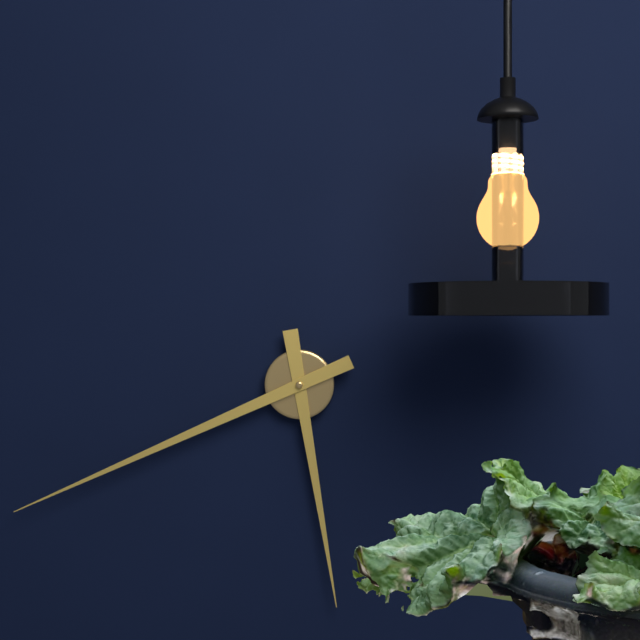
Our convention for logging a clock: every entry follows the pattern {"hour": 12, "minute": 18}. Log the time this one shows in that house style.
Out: {"hour": 5, "minute": 41}
